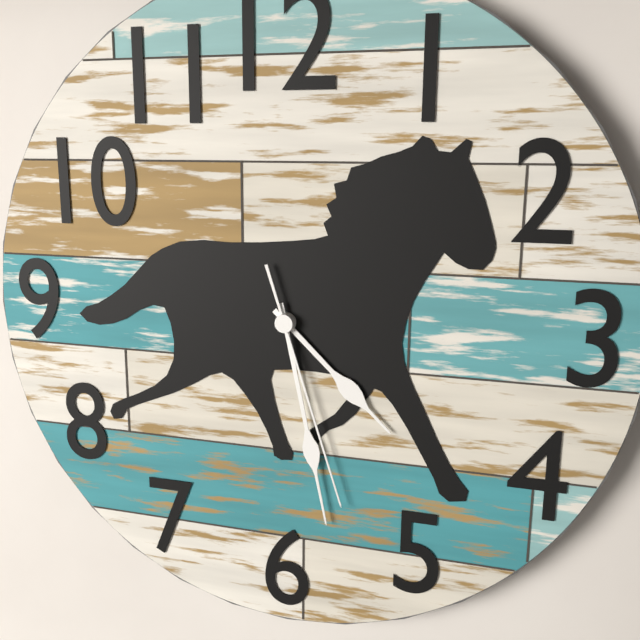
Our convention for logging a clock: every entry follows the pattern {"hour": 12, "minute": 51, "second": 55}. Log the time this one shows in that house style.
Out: {"hour": 4, "minute": 28, "second": 27}
